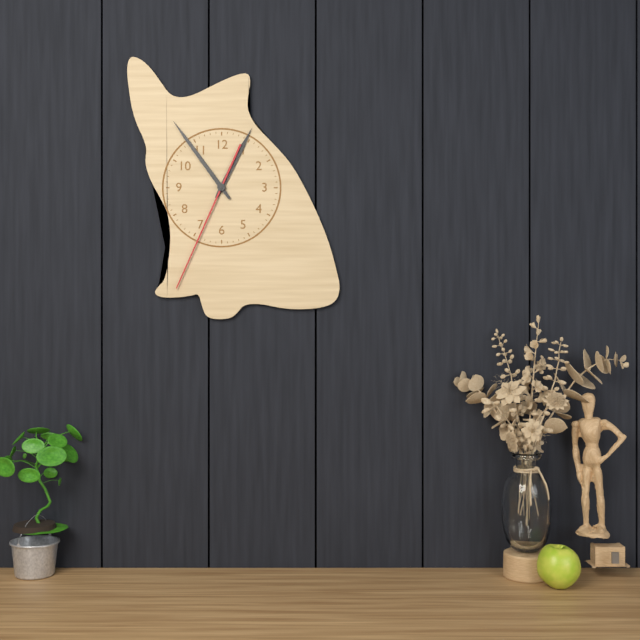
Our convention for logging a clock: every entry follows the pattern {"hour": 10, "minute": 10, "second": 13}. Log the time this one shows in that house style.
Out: {"hour": 12, "minute": 54, "second": 34}
